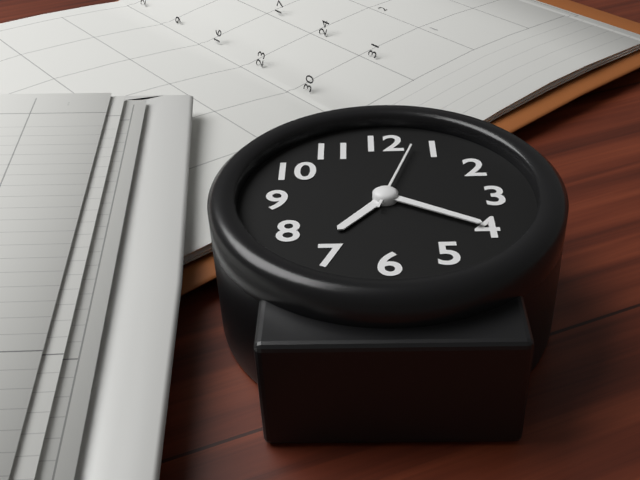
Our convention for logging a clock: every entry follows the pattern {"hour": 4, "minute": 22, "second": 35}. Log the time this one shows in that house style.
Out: {"hour": 7, "minute": 20, "second": 3}
